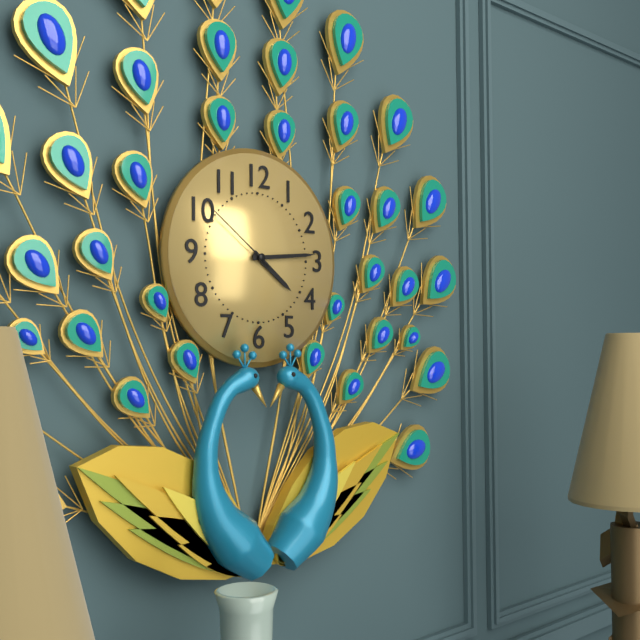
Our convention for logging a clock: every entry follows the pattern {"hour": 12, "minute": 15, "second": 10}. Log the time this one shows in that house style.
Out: {"hour": 4, "minute": 14, "second": 51}
